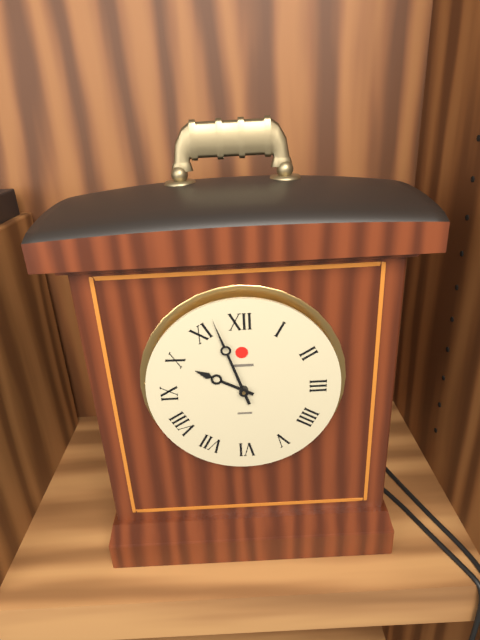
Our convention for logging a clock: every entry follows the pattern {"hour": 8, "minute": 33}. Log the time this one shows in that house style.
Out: {"hour": 9, "minute": 57}
